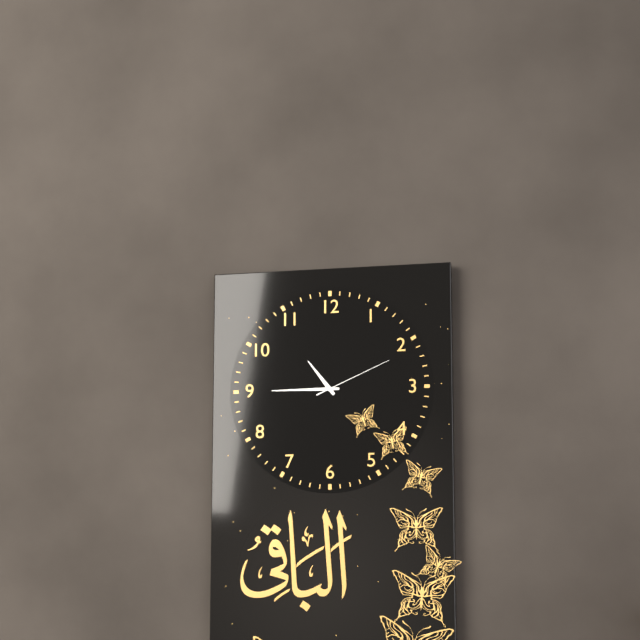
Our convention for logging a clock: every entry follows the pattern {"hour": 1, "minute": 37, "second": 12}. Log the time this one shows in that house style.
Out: {"hour": 10, "minute": 45, "second": 11}
